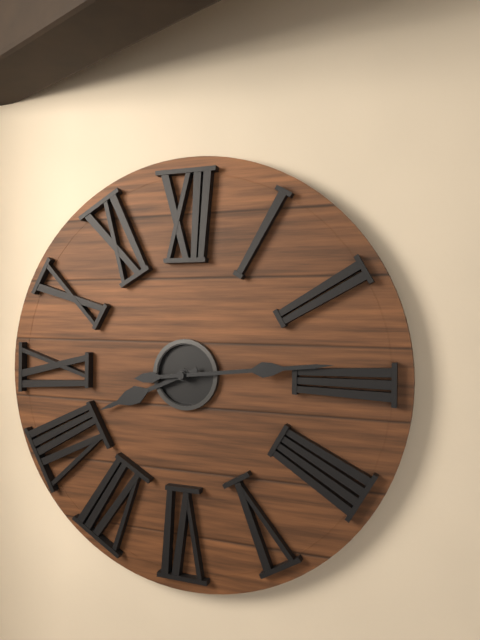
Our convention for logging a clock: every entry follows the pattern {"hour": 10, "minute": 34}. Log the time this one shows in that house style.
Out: {"hour": 8, "minute": 14}
